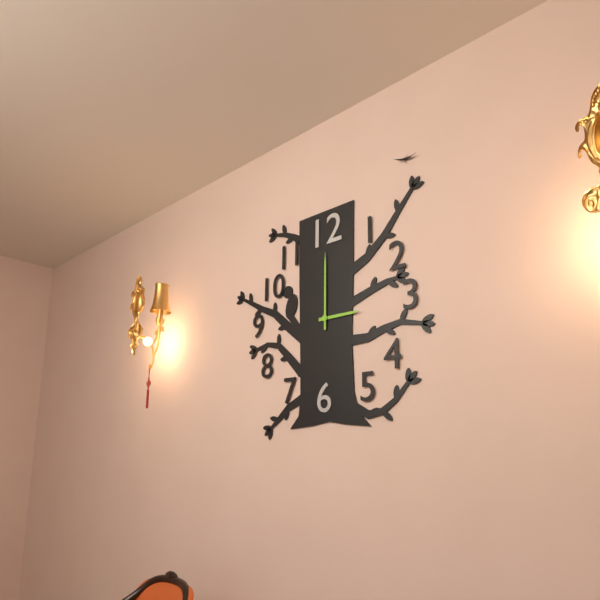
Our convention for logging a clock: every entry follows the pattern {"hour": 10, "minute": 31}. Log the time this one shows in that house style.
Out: {"hour": 3, "minute": 0}
